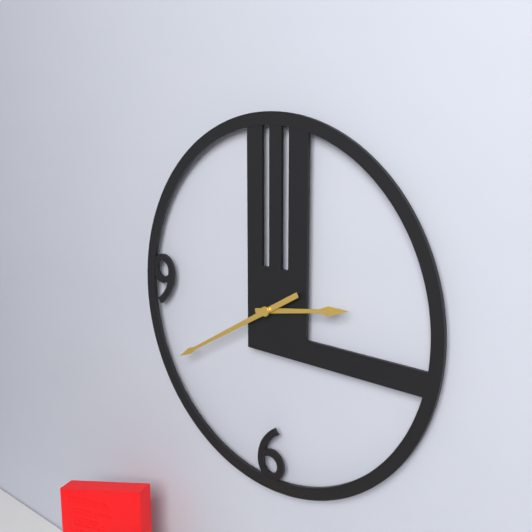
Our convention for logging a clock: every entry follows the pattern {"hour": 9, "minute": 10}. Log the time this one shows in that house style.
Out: {"hour": 2, "minute": 40}
